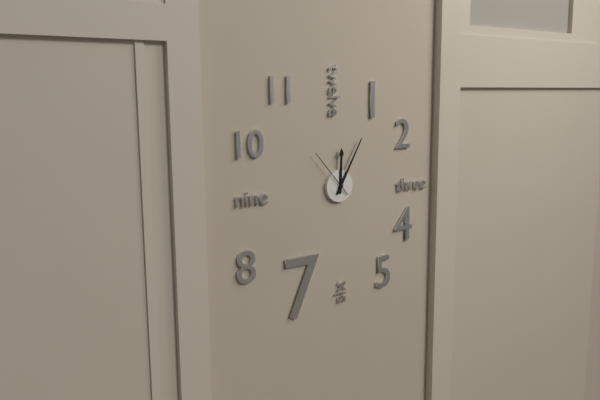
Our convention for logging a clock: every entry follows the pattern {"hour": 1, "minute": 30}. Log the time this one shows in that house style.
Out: {"hour": 12, "minute": 5}
